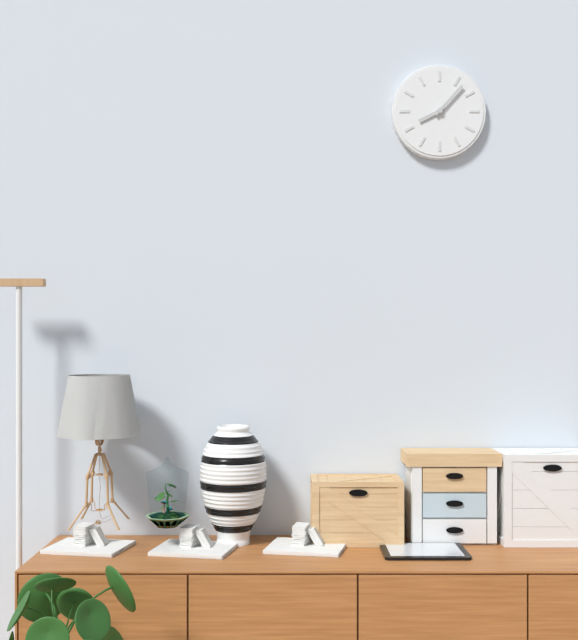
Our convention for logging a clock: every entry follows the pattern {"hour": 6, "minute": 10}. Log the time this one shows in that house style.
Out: {"hour": 8, "minute": 7}
